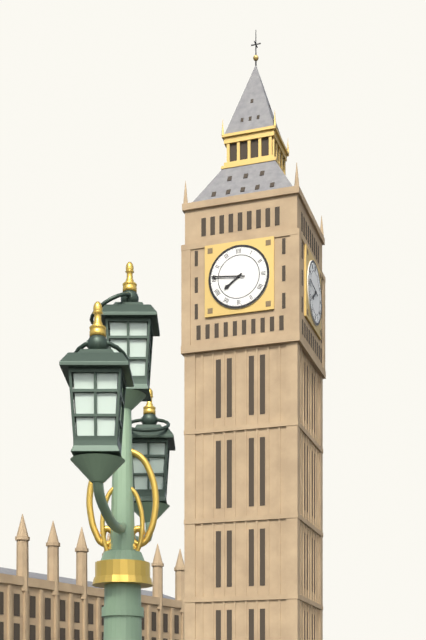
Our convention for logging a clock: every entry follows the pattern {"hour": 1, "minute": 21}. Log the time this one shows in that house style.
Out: {"hour": 7, "minute": 46}
